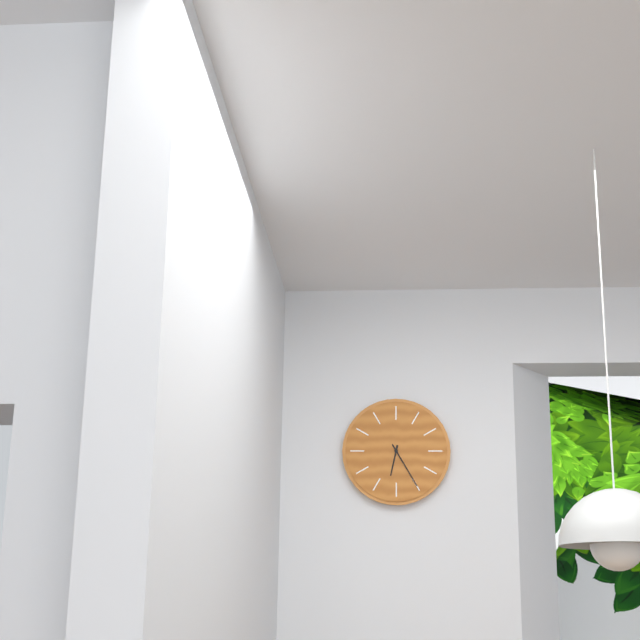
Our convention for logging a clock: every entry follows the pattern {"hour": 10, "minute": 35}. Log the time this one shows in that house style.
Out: {"hour": 6, "minute": 25}
